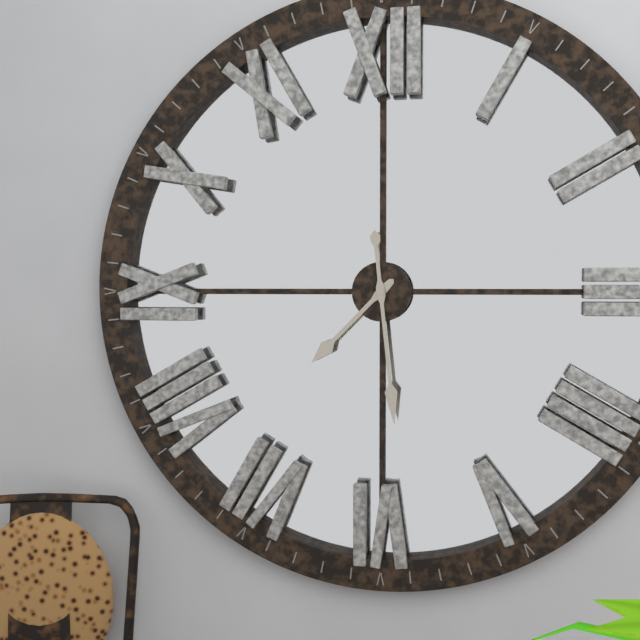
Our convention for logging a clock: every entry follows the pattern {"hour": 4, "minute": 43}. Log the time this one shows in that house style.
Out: {"hour": 7, "minute": 29}
